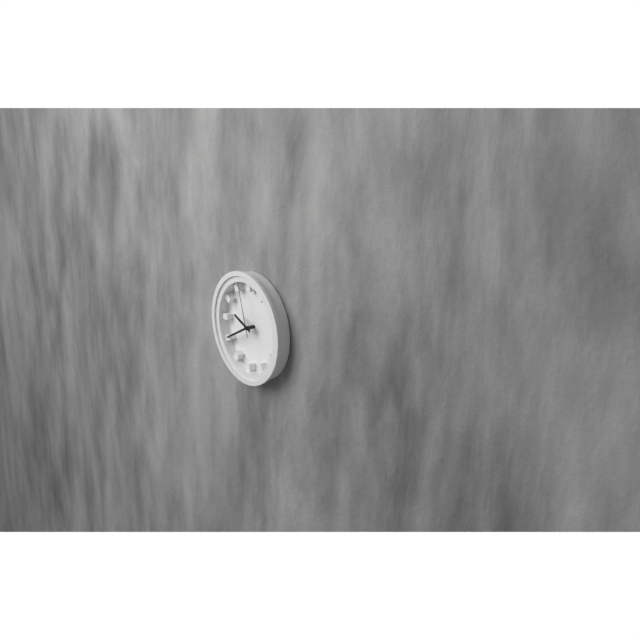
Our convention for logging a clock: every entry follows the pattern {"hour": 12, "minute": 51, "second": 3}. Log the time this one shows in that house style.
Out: {"hour": 9, "minute": 40, "second": 57}
